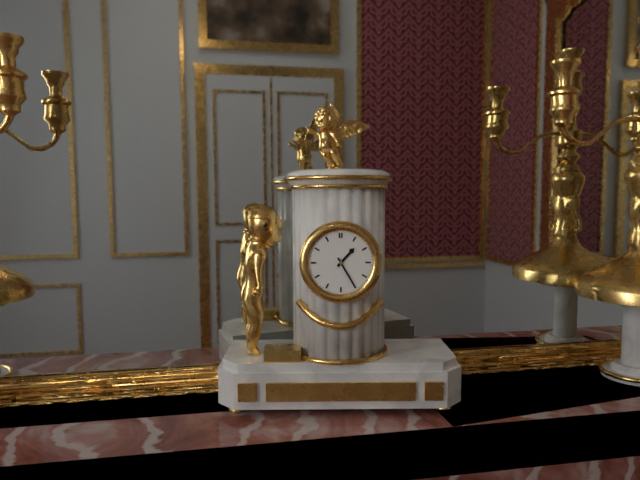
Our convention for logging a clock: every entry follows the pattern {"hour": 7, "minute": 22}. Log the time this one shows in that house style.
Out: {"hour": 1, "minute": 25}
